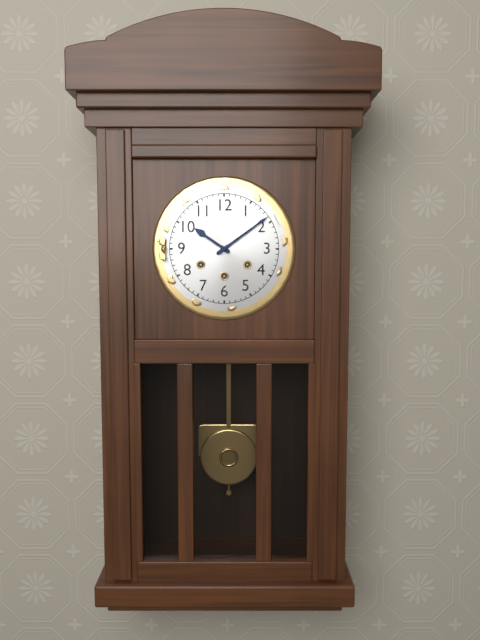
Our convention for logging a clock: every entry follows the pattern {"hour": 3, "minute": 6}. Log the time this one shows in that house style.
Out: {"hour": 10, "minute": 9}
